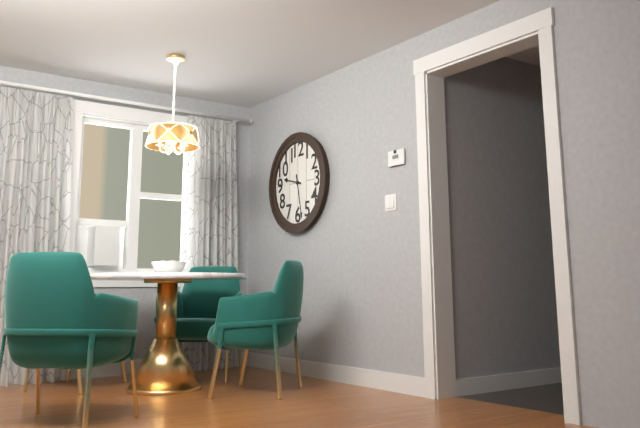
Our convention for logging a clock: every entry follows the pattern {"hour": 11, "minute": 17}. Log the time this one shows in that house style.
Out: {"hour": 9, "minute": 28}
